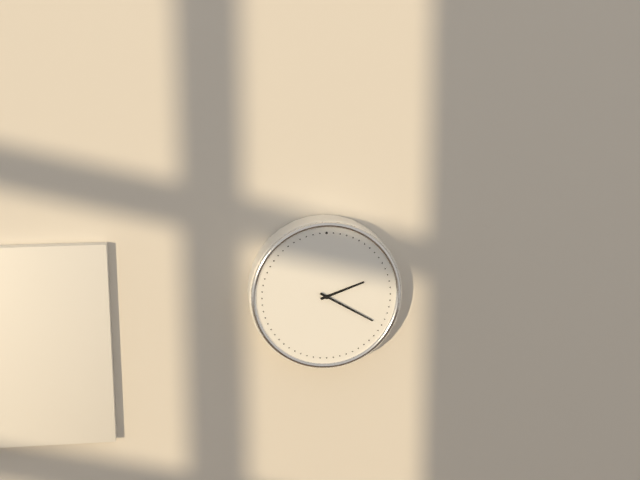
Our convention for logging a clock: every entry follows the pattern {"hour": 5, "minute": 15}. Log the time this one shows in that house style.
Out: {"hour": 2, "minute": 20}
